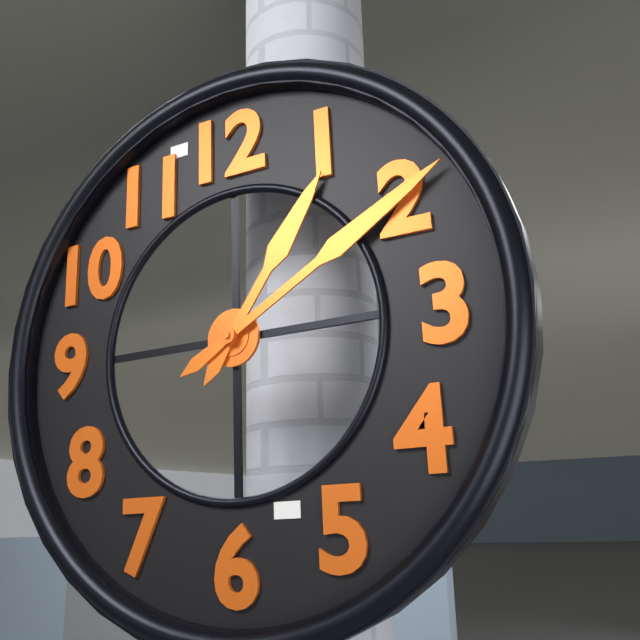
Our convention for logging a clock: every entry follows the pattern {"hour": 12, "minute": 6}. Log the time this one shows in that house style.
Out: {"hour": 1, "minute": 10}
